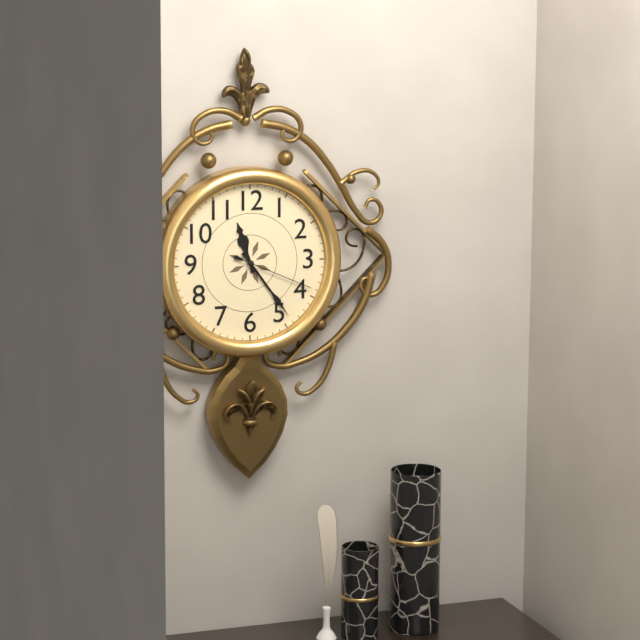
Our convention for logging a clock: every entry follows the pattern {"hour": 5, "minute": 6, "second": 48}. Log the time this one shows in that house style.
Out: {"hour": 11, "minute": 24, "second": 19}
